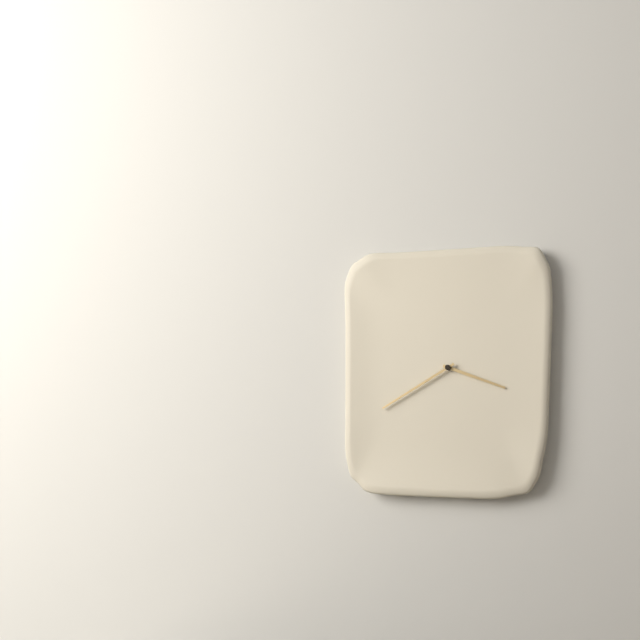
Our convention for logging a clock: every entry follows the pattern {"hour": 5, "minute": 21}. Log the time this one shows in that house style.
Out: {"hour": 3, "minute": 40}
